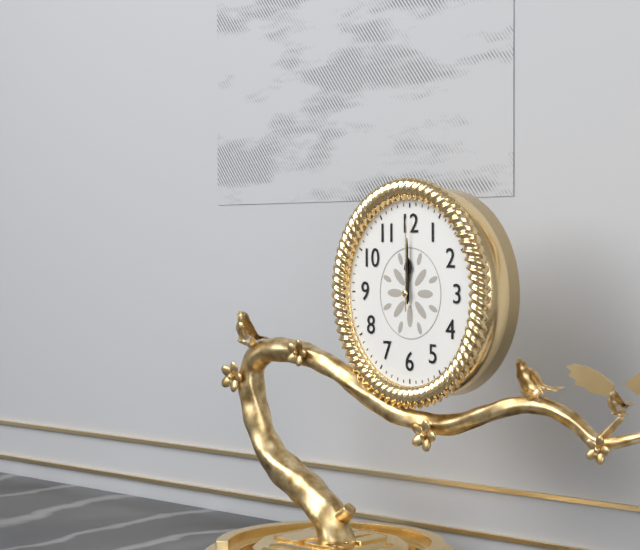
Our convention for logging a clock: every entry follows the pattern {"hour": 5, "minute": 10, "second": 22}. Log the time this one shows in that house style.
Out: {"hour": 12, "minute": 0, "second": 0}
